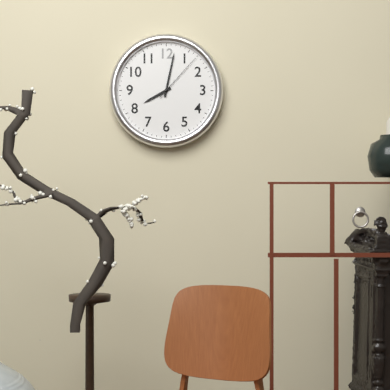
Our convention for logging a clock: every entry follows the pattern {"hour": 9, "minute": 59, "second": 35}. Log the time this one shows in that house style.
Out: {"hour": 8, "minute": 2, "second": 7}
